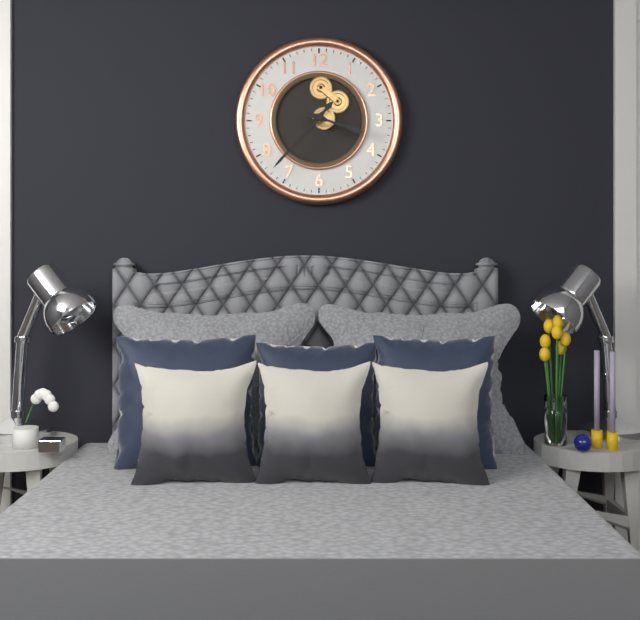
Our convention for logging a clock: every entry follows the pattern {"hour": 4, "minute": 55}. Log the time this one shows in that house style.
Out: {"hour": 3, "minute": 37}
